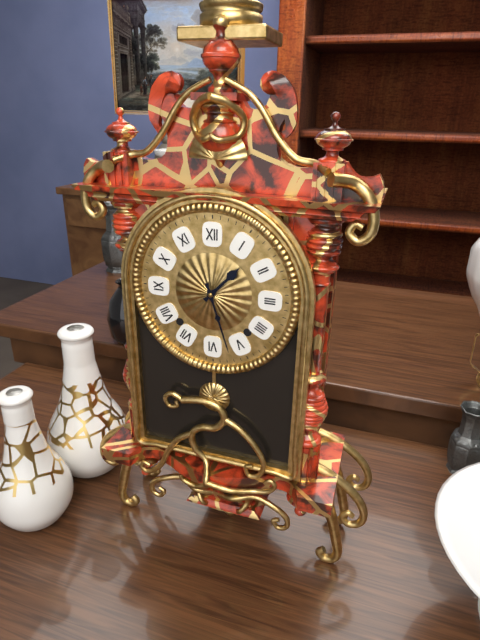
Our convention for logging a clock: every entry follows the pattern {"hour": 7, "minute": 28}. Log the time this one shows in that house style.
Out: {"hour": 1, "minute": 27}
